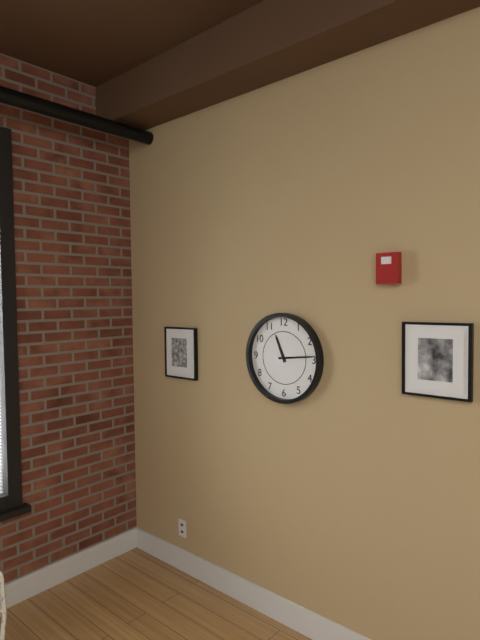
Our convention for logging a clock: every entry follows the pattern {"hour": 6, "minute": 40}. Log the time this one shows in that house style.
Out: {"hour": 11, "minute": 14}
